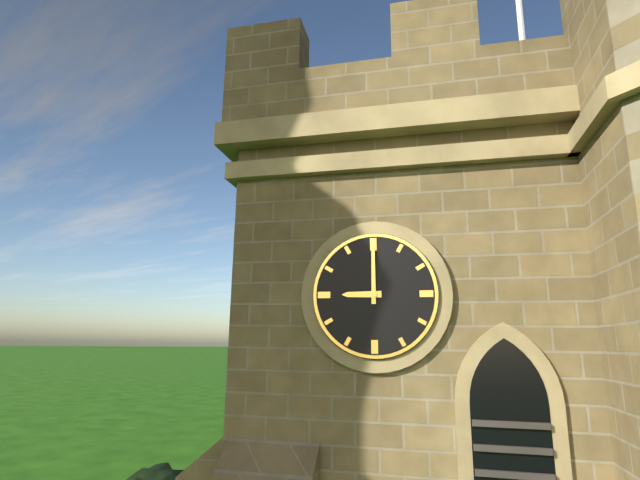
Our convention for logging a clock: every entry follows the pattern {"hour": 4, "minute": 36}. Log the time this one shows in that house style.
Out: {"hour": 9, "minute": 0}
